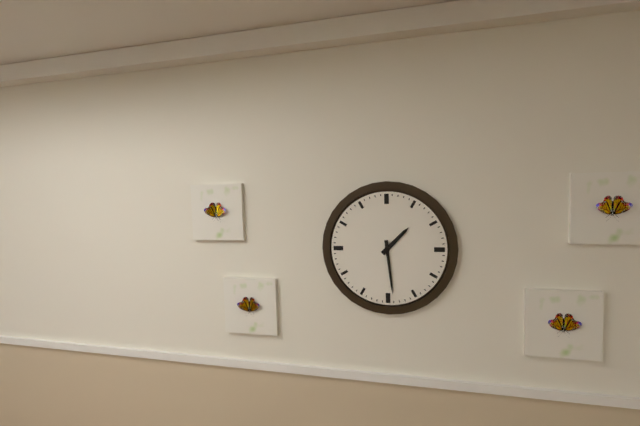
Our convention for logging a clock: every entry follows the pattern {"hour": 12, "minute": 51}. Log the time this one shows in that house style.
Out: {"hour": 1, "minute": 29}
